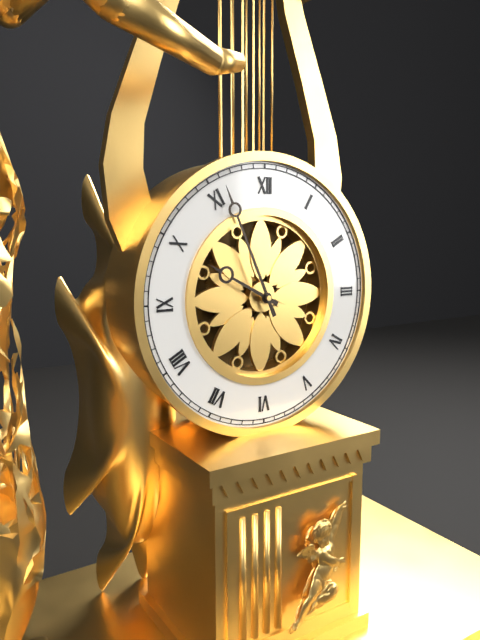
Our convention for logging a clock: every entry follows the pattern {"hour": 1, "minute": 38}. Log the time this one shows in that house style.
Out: {"hour": 9, "minute": 56}
